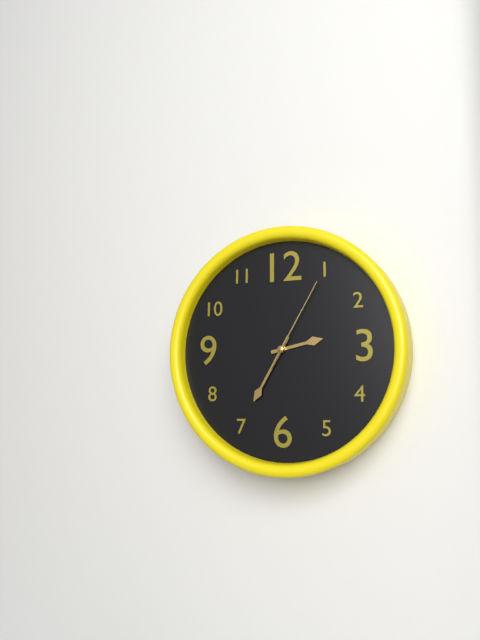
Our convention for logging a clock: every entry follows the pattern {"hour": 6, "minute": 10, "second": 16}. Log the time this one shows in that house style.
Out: {"hour": 2, "minute": 35, "second": 5}
